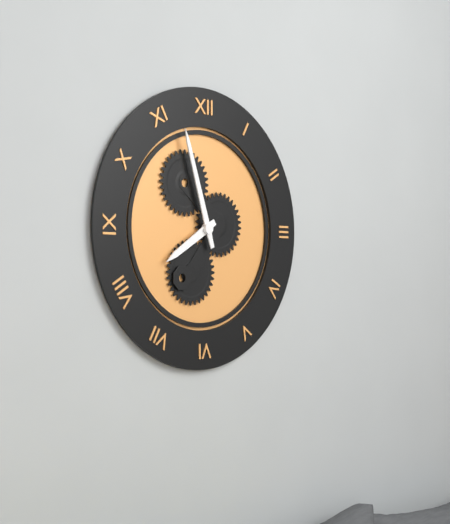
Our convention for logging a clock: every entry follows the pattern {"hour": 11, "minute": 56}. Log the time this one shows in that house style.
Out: {"hour": 7, "minute": 57}
